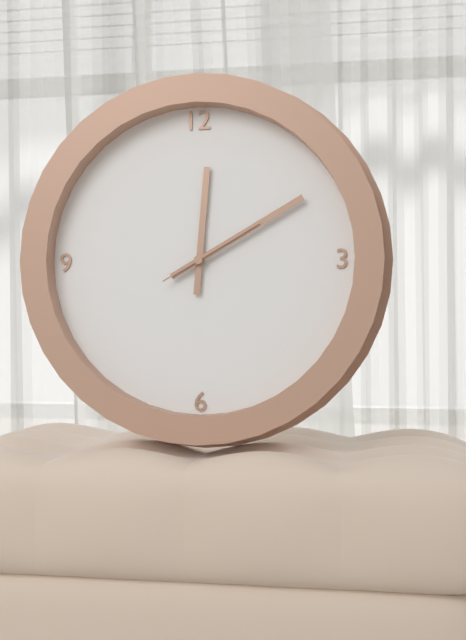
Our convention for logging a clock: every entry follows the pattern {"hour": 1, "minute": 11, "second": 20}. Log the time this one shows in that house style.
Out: {"hour": 12, "minute": 10, "second": 10}
